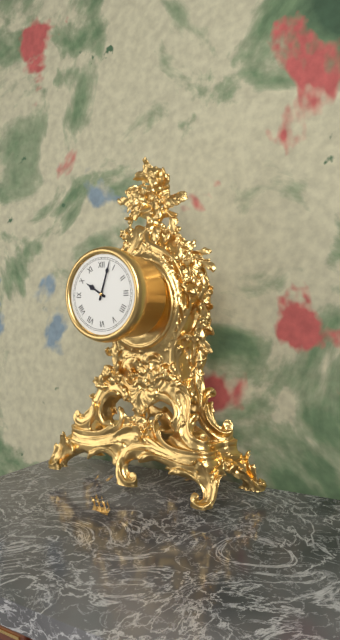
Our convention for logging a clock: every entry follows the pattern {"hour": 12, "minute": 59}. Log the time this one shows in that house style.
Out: {"hour": 10, "minute": 3}
